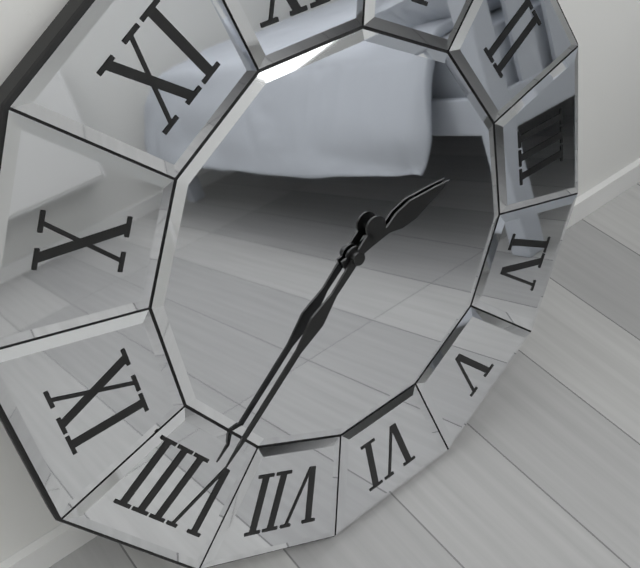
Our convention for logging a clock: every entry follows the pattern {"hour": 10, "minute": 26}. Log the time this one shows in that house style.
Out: {"hour": 2, "minute": 39}
